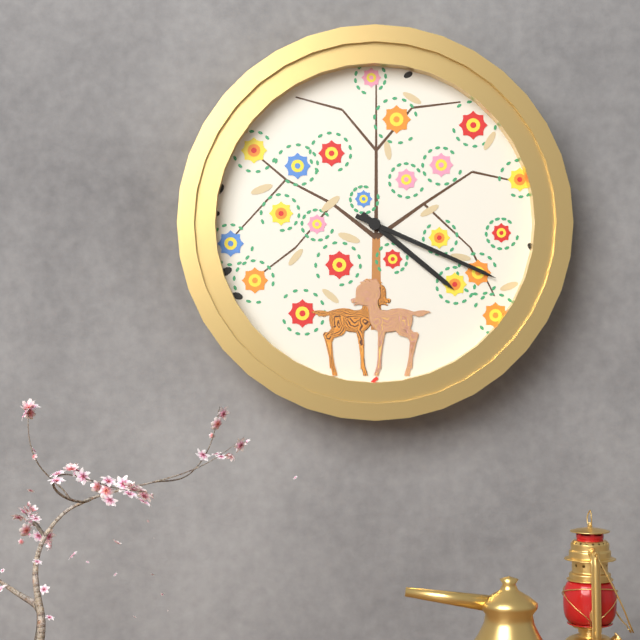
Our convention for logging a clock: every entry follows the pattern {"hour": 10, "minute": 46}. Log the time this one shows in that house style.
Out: {"hour": 4, "minute": 19}
